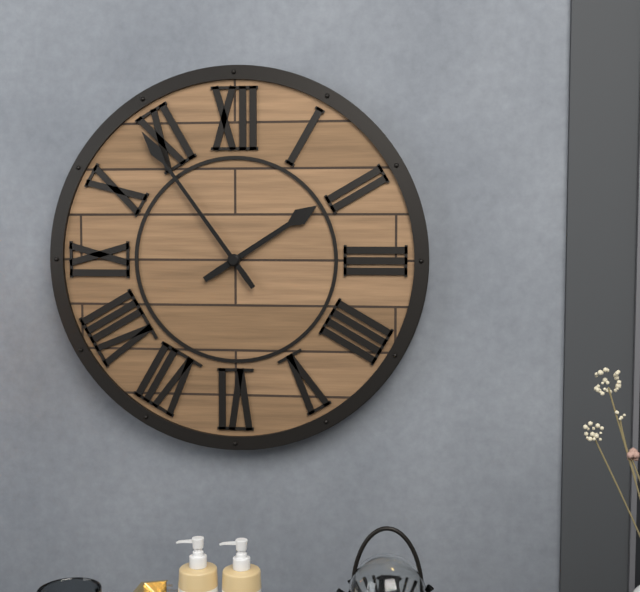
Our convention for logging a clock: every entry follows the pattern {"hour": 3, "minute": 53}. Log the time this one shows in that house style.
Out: {"hour": 1, "minute": 54}
